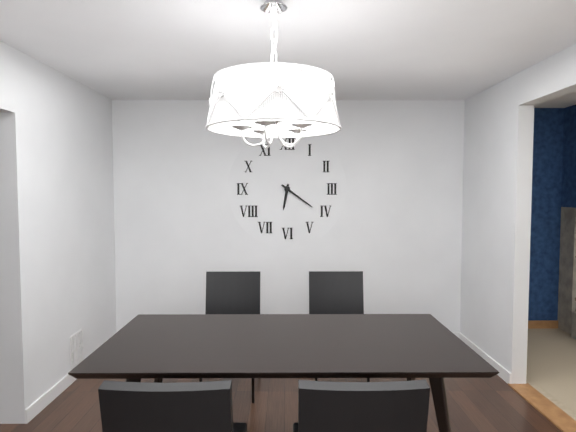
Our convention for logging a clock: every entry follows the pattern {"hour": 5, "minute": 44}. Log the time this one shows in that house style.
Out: {"hour": 6, "minute": 21}
